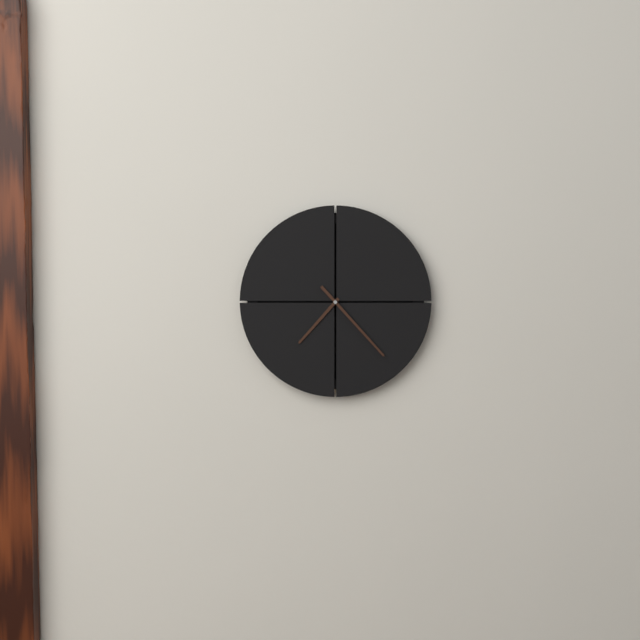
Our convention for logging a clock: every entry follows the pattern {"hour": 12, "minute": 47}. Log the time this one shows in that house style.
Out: {"hour": 7, "minute": 23}
